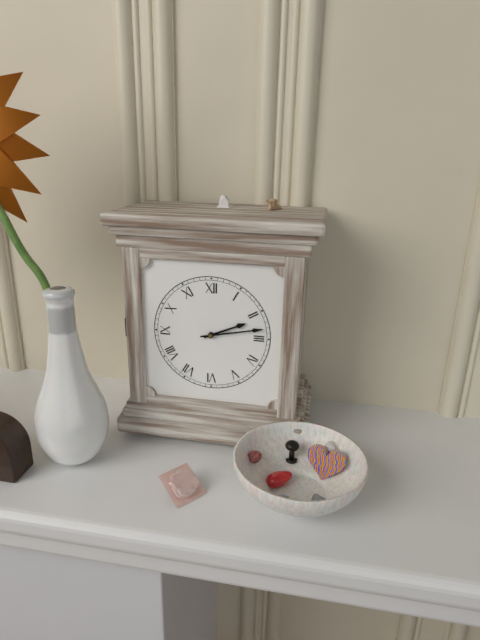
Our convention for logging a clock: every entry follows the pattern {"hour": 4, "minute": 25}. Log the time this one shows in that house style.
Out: {"hour": 2, "minute": 13}
